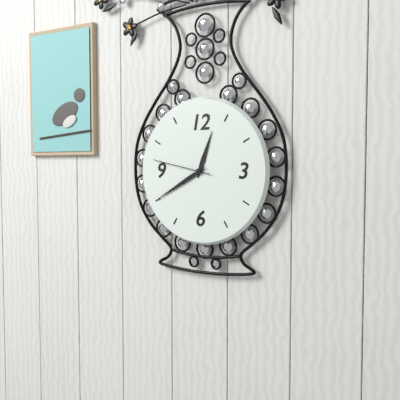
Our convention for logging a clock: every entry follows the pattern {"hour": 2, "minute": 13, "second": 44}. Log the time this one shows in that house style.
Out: {"hour": 12, "minute": 40, "second": 47}
